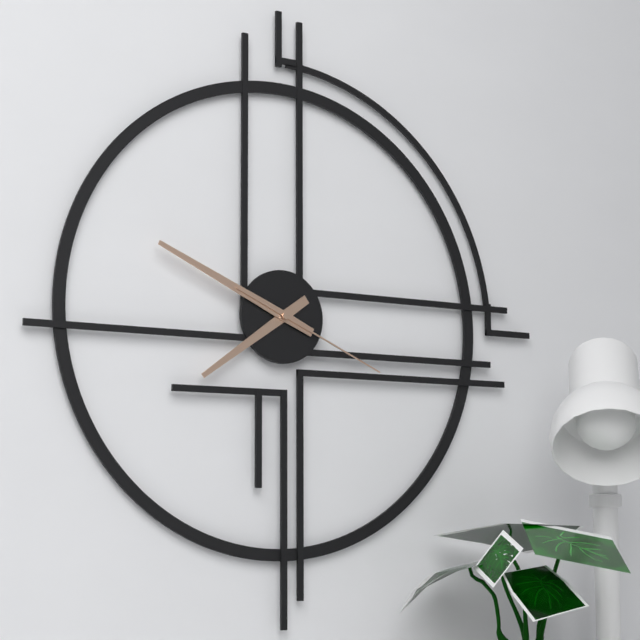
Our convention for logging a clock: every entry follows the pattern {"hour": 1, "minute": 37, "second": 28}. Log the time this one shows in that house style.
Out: {"hour": 7, "minute": 49, "second": 19}
